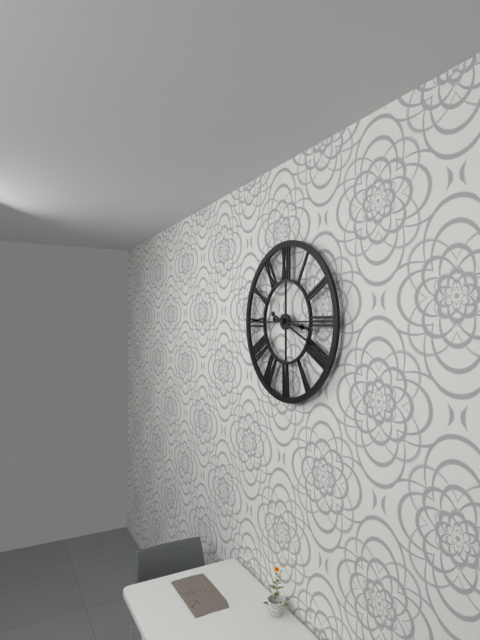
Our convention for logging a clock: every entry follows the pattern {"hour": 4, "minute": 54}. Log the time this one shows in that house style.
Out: {"hour": 3, "minute": 19}
